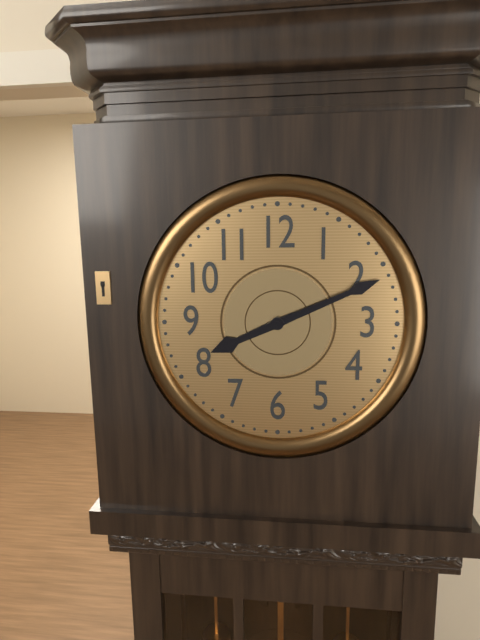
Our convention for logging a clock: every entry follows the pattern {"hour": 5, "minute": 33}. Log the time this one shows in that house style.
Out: {"hour": 8, "minute": 11}
